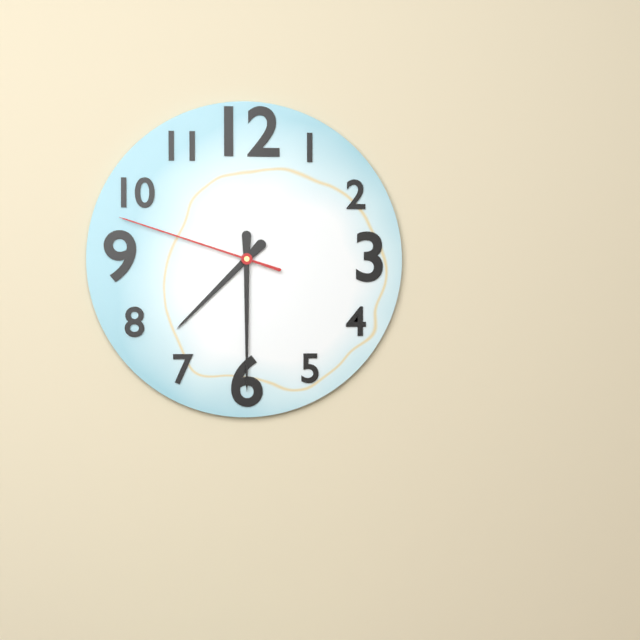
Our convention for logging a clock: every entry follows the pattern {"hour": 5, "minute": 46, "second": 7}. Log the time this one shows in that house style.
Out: {"hour": 7, "minute": 30, "second": 48}
